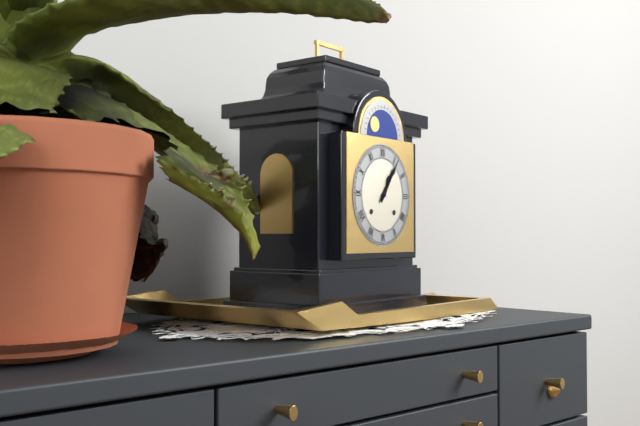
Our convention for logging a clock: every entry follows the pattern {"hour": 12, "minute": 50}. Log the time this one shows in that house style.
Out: {"hour": 1, "minute": 6}
